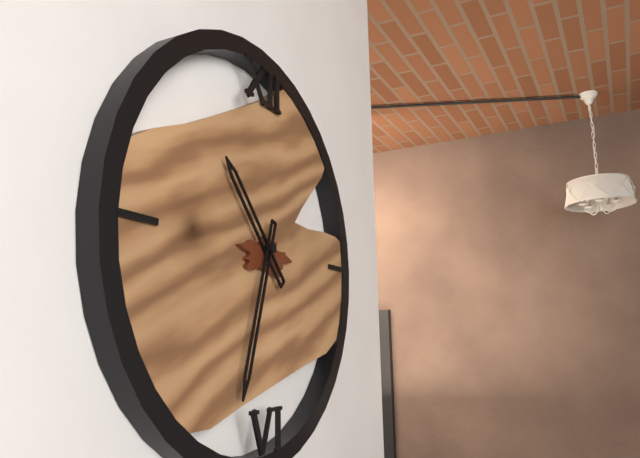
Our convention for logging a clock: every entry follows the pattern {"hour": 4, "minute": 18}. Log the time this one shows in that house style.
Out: {"hour": 10, "minute": 33}
